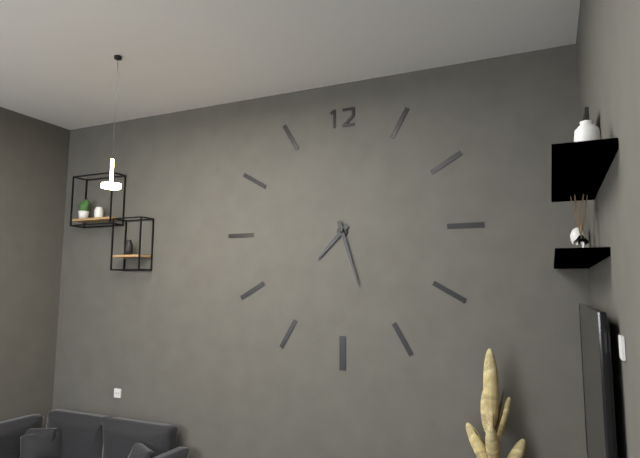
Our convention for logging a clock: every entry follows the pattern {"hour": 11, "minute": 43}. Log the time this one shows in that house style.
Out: {"hour": 7, "minute": 27}
